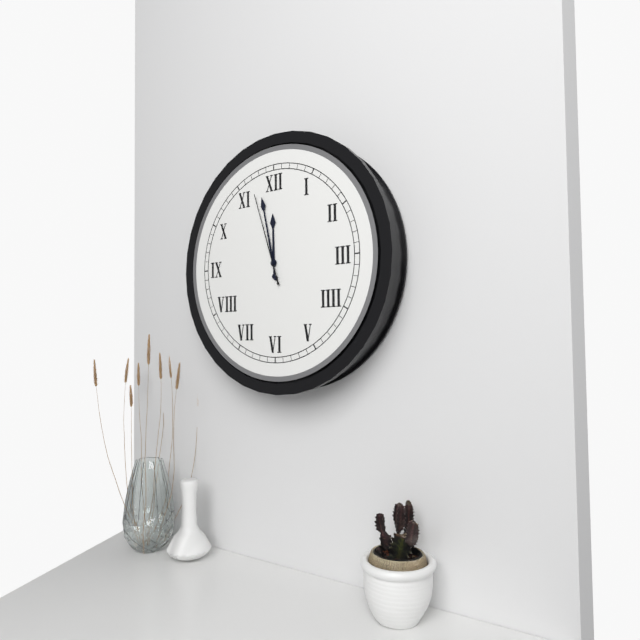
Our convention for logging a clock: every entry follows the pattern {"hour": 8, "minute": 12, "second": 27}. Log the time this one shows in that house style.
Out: {"hour": 11, "minute": 58, "second": 57}
